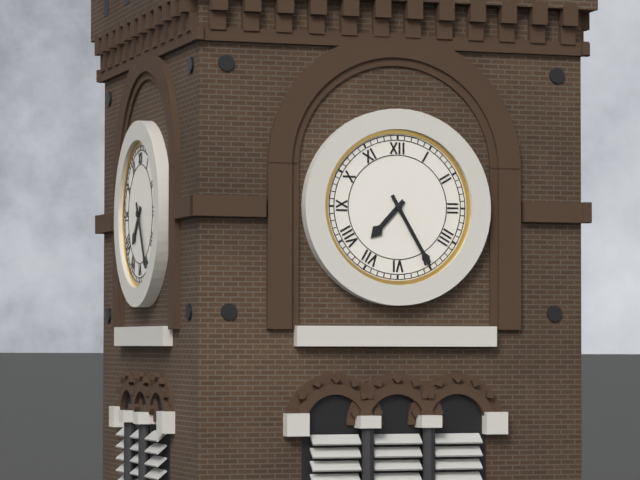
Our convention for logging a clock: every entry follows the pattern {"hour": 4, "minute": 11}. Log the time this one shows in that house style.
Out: {"hour": 7, "minute": 25}
